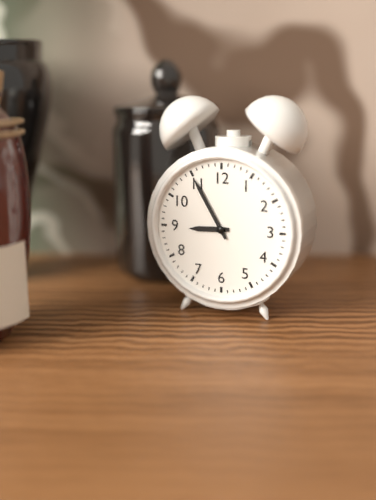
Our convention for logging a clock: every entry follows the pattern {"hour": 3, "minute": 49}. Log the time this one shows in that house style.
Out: {"hour": 8, "minute": 55}
